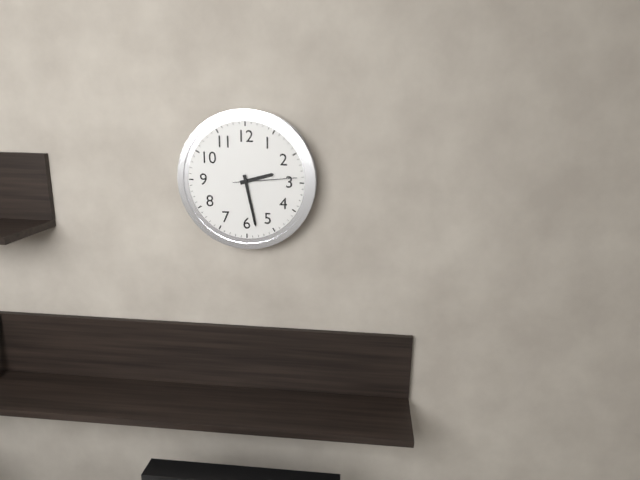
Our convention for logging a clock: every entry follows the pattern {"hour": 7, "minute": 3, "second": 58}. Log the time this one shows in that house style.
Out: {"hour": 2, "minute": 28, "second": 14}
